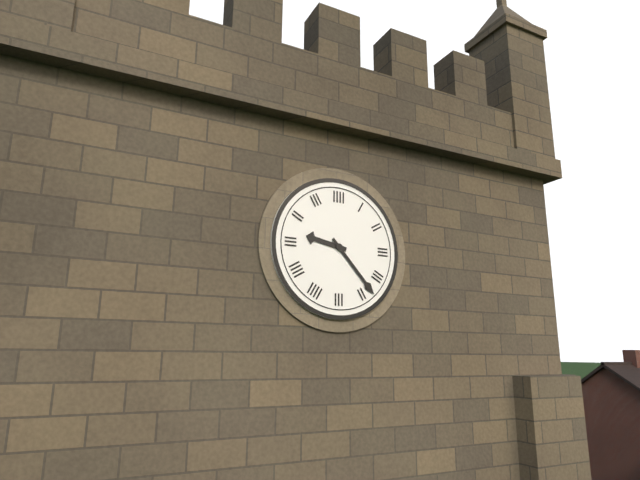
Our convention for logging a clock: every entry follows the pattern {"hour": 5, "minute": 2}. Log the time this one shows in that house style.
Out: {"hour": 9, "minute": 23}
